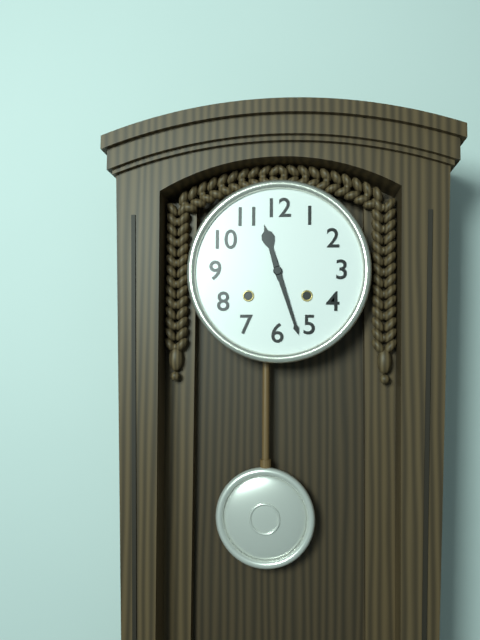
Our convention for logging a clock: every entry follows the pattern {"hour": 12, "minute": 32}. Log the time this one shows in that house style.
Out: {"hour": 11, "minute": 27}
